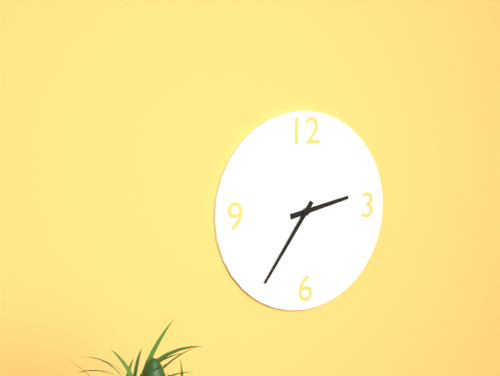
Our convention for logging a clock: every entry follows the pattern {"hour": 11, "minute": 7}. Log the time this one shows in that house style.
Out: {"hour": 2, "minute": 36}
